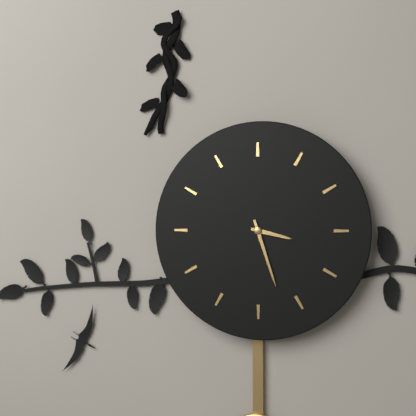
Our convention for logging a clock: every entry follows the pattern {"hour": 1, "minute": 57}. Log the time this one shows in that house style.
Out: {"hour": 3, "minute": 27}
